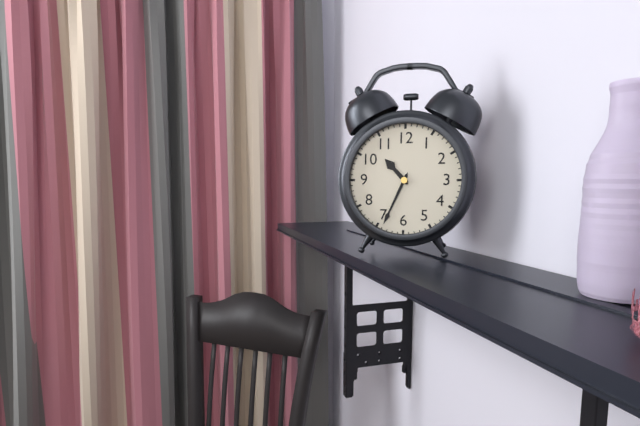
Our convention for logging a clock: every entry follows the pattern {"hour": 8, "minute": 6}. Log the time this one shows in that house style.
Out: {"hour": 10, "minute": 34}
